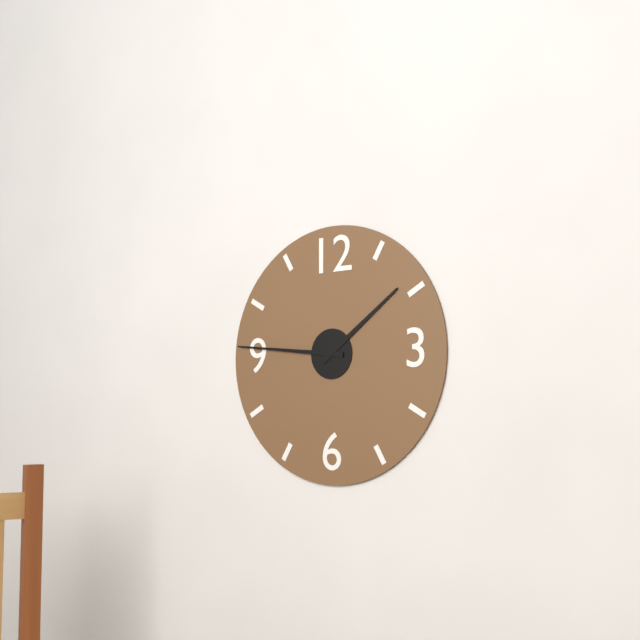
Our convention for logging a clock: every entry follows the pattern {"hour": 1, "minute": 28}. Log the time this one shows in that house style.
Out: {"hour": 1, "minute": 46}
